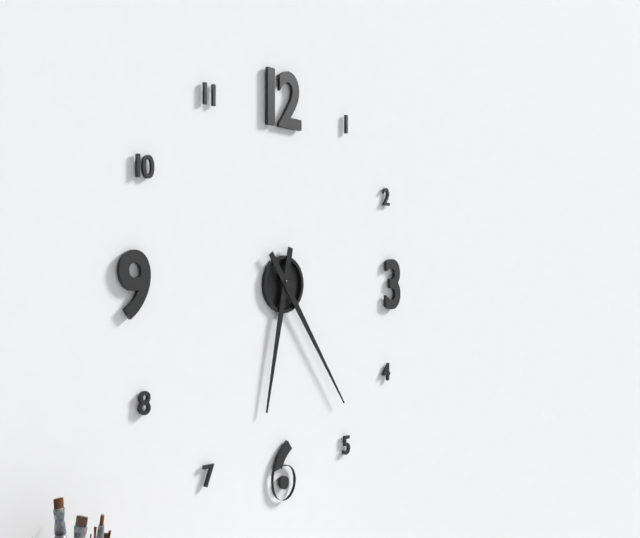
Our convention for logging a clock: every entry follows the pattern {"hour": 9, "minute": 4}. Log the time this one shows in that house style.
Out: {"hour": 6, "minute": 24}
